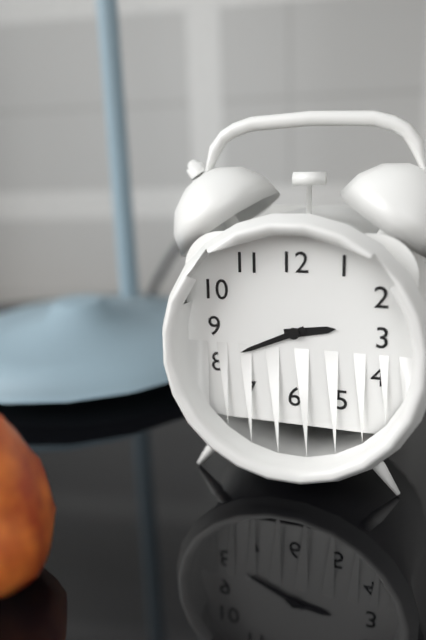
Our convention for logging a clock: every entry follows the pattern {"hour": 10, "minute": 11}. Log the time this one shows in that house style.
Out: {"hour": 2, "minute": 41}
